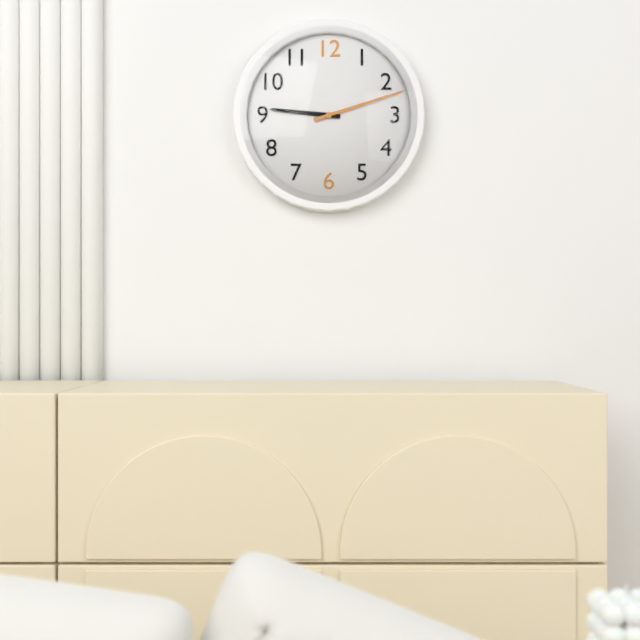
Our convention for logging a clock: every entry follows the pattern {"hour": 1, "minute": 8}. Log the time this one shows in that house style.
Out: {"hour": 9, "minute": 12}
